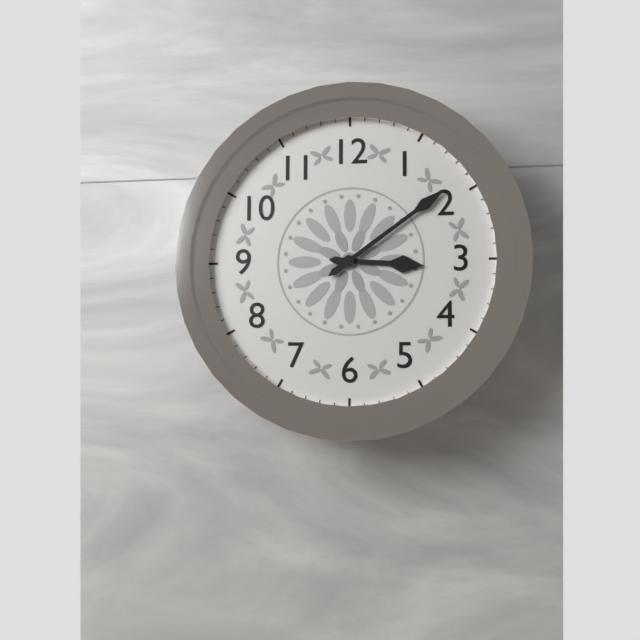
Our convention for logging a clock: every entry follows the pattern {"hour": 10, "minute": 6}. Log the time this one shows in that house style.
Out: {"hour": 3, "minute": 9}
